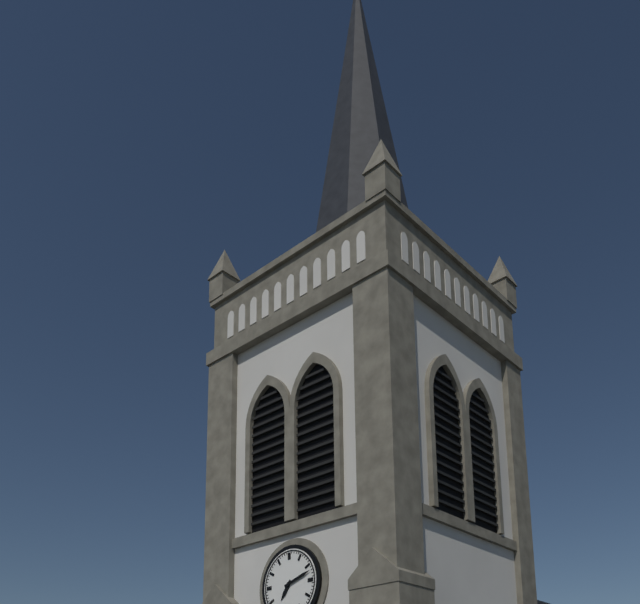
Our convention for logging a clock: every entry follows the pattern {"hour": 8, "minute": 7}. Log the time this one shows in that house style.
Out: {"hour": 7, "minute": 12}
